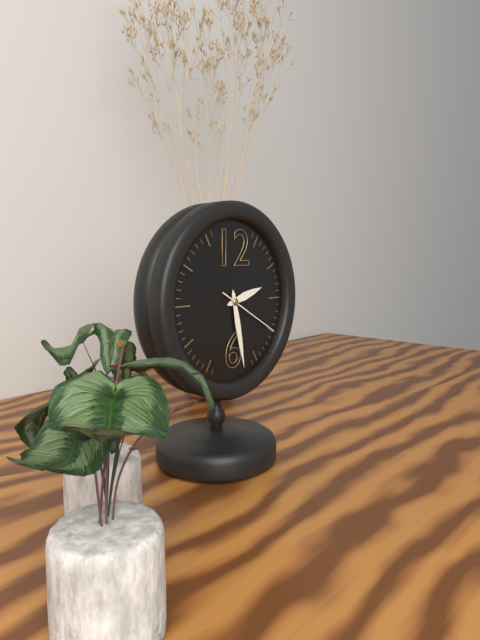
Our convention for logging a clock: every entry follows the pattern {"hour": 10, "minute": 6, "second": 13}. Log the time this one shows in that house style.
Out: {"hour": 2, "minute": 28, "second": 20}
